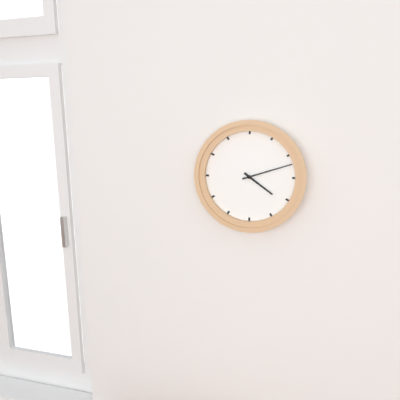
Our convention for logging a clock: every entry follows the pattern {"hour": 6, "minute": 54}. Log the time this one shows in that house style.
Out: {"hour": 4, "minute": 12}
